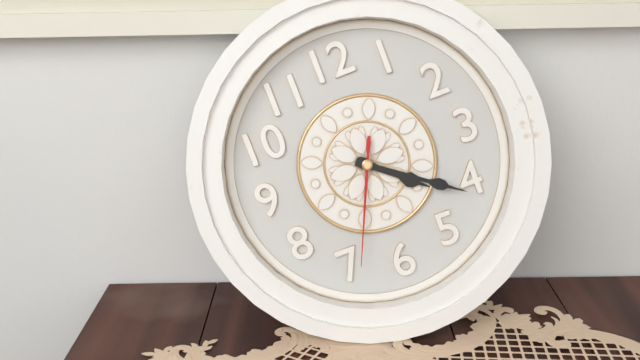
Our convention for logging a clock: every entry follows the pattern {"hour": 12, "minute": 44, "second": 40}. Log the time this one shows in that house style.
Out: {"hour": 4, "minute": 21, "second": 34}
